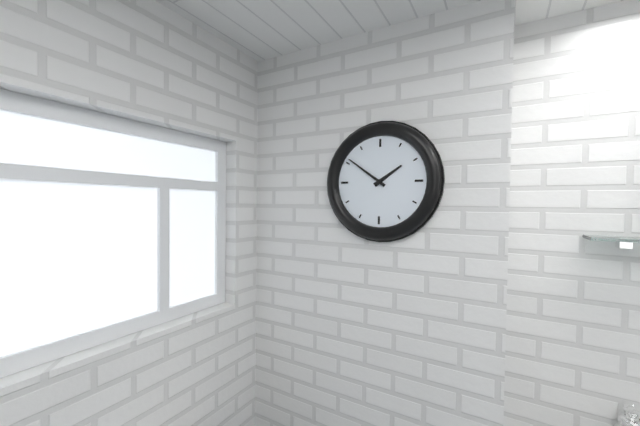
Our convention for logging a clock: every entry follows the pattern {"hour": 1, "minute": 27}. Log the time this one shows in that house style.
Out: {"hour": 1, "minute": 51}
